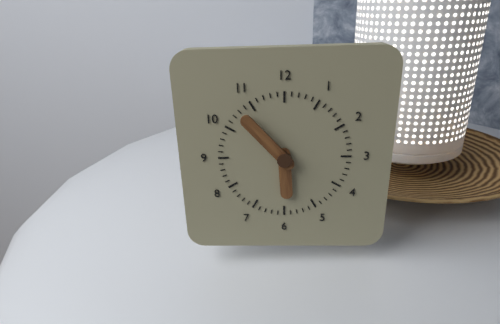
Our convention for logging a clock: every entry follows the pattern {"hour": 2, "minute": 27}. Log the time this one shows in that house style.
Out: {"hour": 5, "minute": 53}
